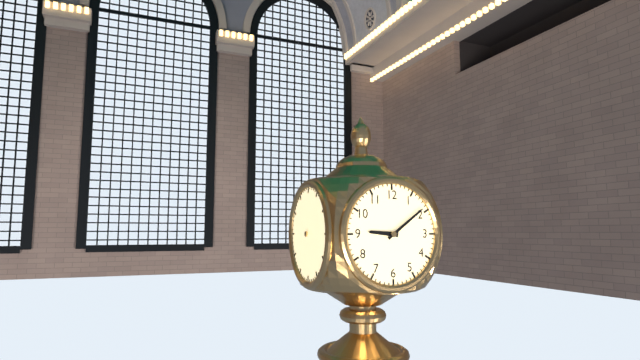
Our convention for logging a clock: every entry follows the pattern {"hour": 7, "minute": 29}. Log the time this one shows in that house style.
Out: {"hour": 9, "minute": 9}
